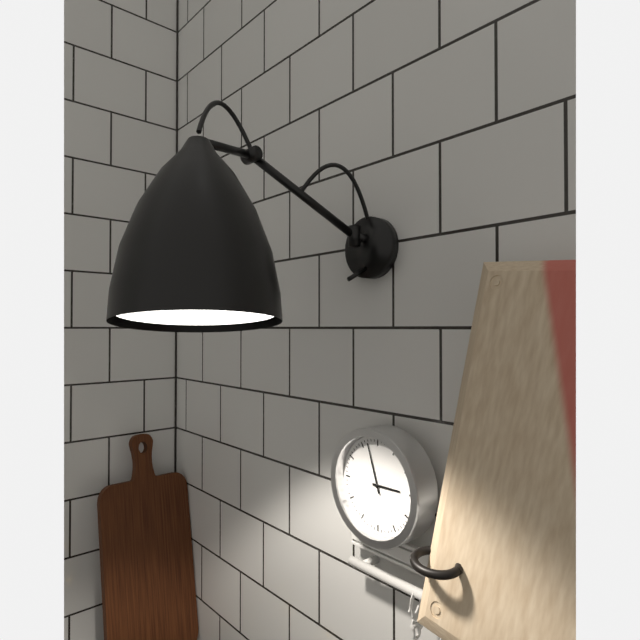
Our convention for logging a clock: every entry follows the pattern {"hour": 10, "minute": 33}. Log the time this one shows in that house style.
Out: {"hour": 2, "minute": 57}
